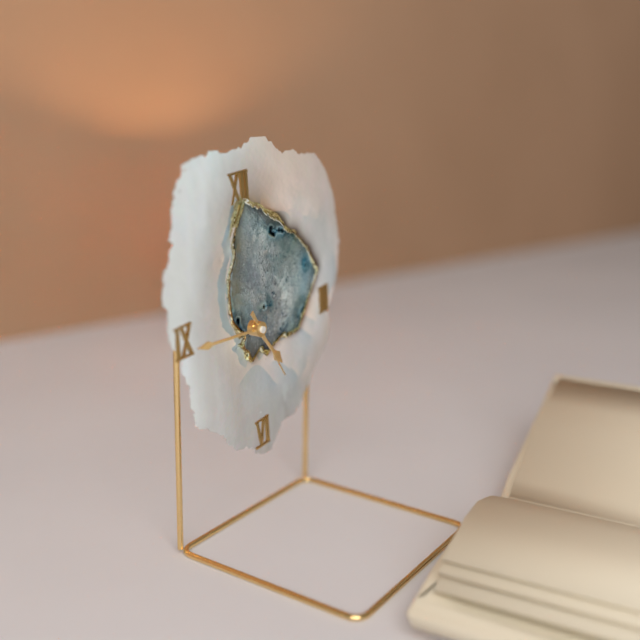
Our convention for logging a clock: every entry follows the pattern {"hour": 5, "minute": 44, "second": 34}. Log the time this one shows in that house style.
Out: {"hour": 4, "minute": 46, "second": 25}
